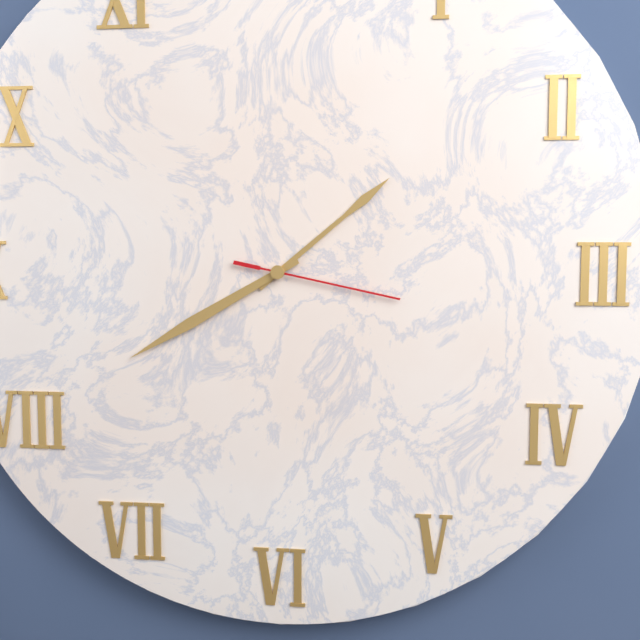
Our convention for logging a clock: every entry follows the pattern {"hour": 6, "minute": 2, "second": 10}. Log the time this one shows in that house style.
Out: {"hour": 1, "minute": 40, "second": 17}
